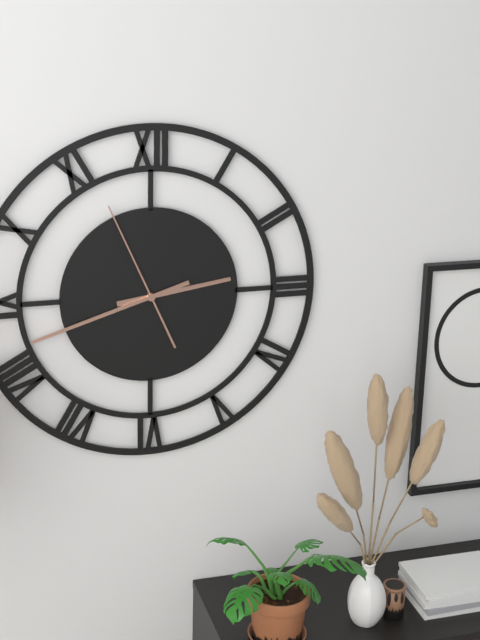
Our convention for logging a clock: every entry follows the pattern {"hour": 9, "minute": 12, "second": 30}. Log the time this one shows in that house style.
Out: {"hour": 2, "minute": 42, "second": 56}
